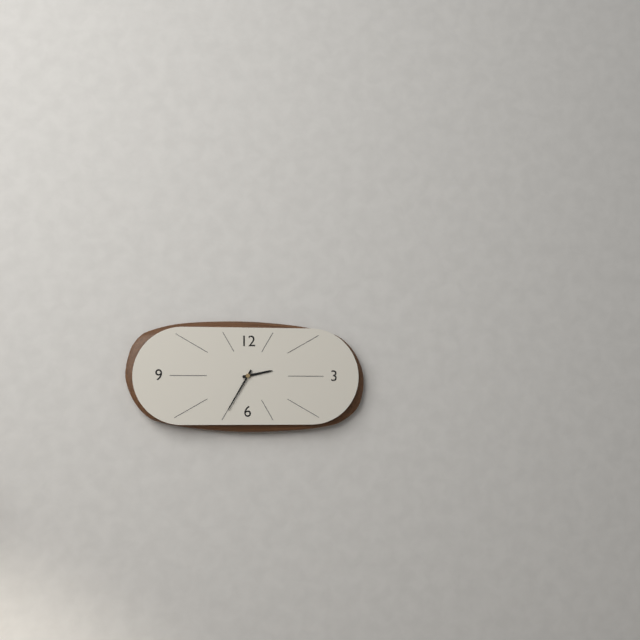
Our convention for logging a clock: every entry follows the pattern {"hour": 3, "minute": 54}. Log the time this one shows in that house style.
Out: {"hour": 2, "minute": 35}
